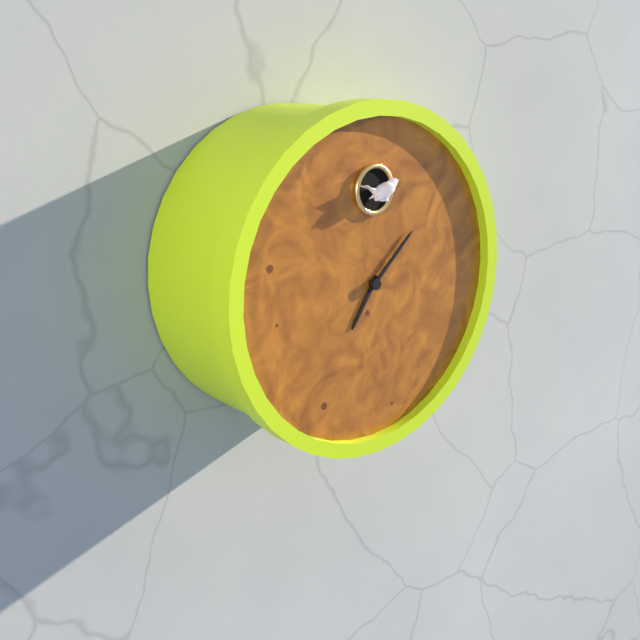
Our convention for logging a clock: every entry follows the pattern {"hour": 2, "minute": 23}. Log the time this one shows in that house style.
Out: {"hour": 7, "minute": 8}
